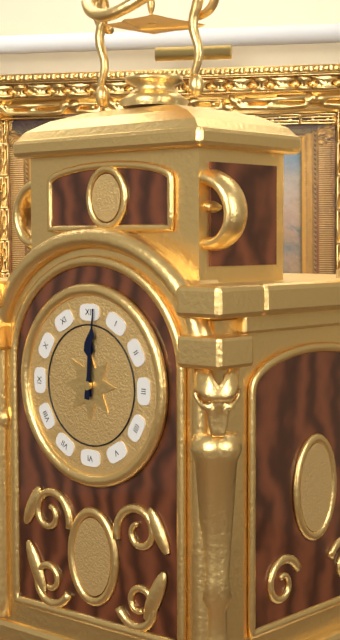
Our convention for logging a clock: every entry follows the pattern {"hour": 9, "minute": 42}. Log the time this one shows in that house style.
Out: {"hour": 12, "minute": 1}
